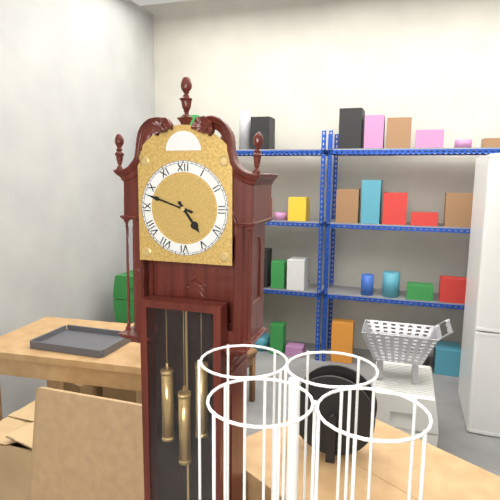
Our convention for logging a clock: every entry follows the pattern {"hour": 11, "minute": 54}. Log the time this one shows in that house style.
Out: {"hour": 4, "minute": 48}
